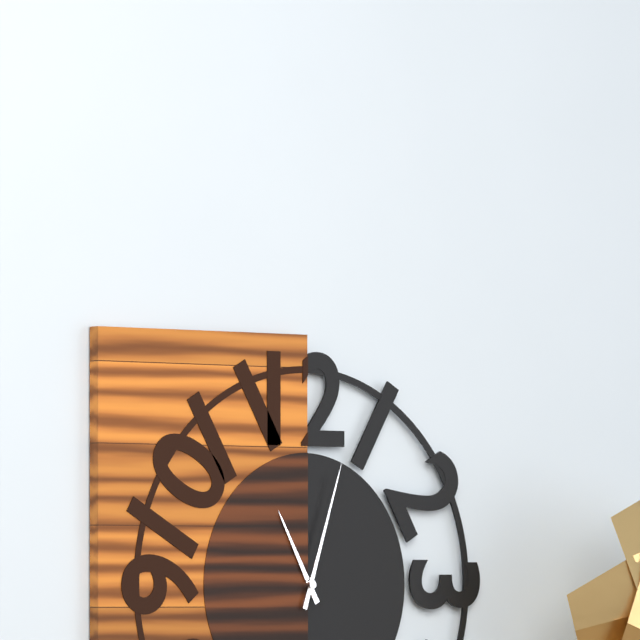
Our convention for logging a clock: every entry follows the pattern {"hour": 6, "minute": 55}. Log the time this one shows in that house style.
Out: {"hour": 11, "minute": 3}
